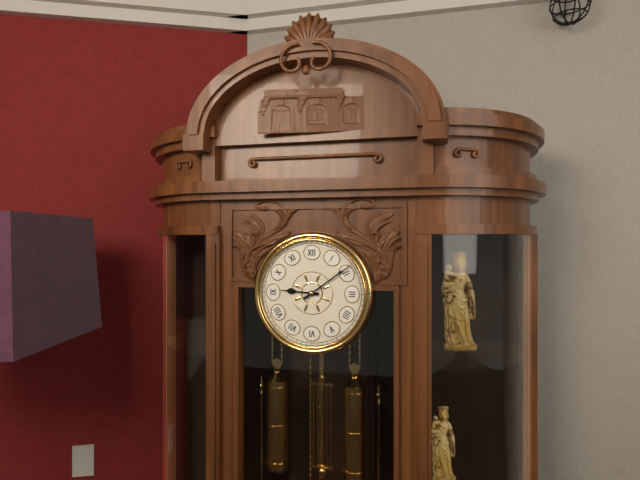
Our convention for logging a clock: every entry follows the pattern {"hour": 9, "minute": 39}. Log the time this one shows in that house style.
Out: {"hour": 9, "minute": 9}
